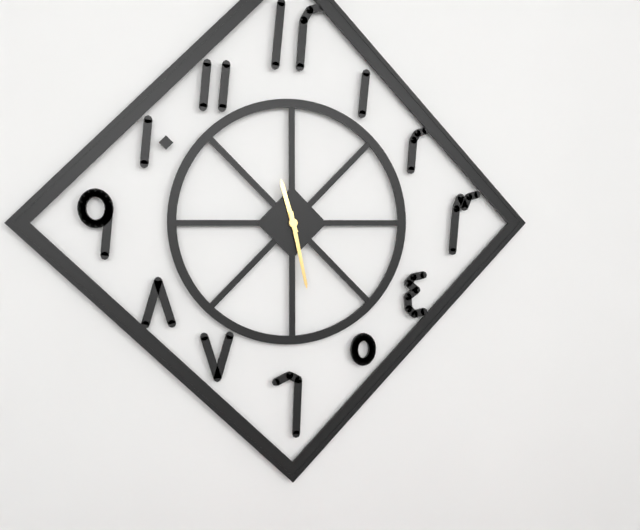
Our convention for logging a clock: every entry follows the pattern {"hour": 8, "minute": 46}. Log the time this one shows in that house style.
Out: {"hour": 11, "minute": 28}
